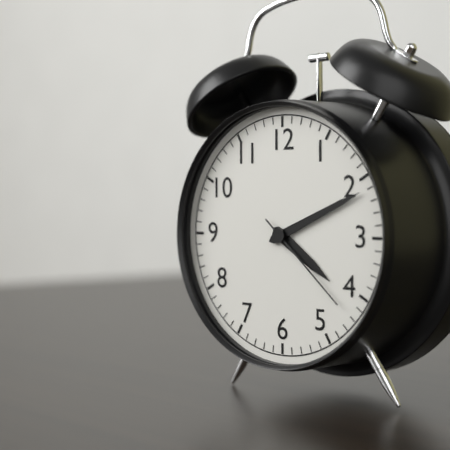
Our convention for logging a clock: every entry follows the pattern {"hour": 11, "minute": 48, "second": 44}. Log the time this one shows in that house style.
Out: {"hour": 4, "minute": 11, "second": 22}
